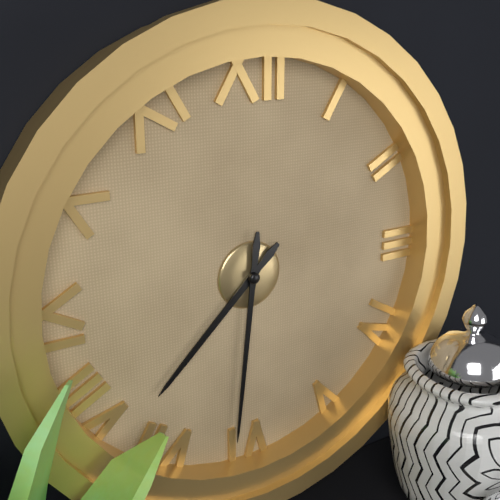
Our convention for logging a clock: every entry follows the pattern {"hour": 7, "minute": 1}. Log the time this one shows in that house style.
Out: {"hour": 7, "minute": 31}
